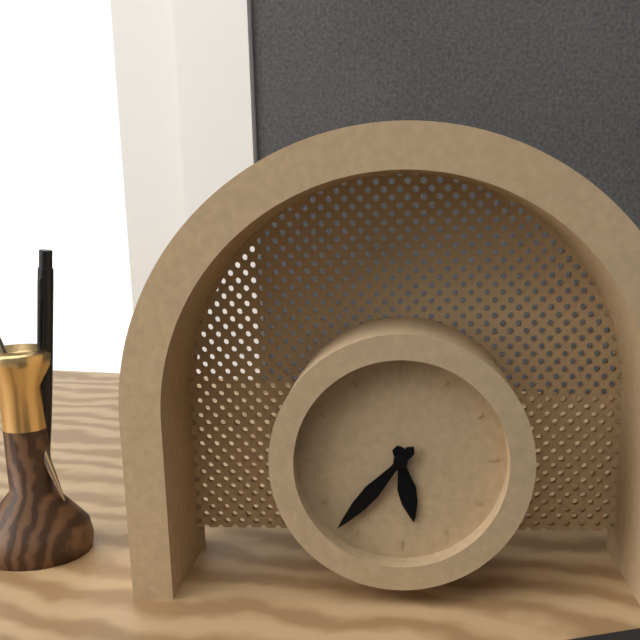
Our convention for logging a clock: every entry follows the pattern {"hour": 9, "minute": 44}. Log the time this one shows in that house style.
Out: {"hour": 5, "minute": 37}
